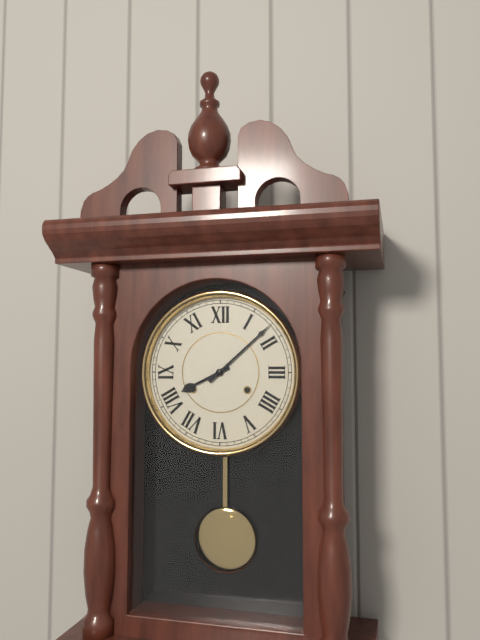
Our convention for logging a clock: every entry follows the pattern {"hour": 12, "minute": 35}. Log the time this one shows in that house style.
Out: {"hour": 8, "minute": 8}
